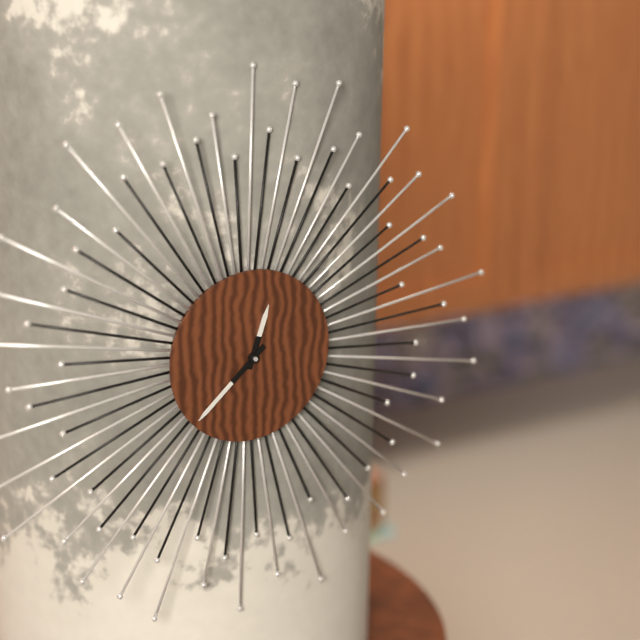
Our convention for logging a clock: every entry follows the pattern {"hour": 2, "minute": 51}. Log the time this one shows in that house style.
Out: {"hour": 12, "minute": 38}
